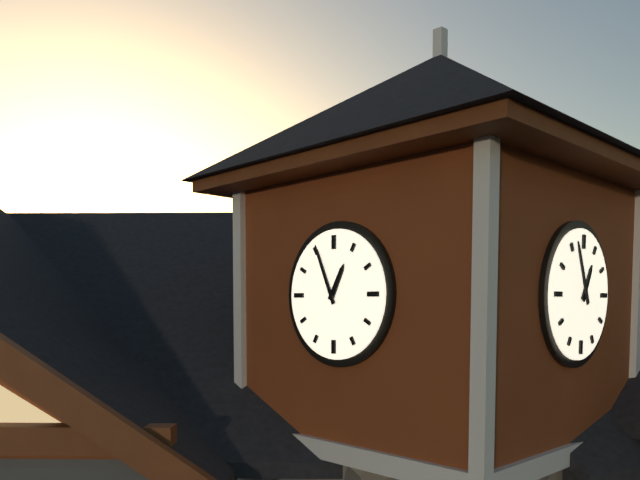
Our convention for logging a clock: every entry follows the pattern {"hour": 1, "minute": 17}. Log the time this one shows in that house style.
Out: {"hour": 12, "minute": 56}
